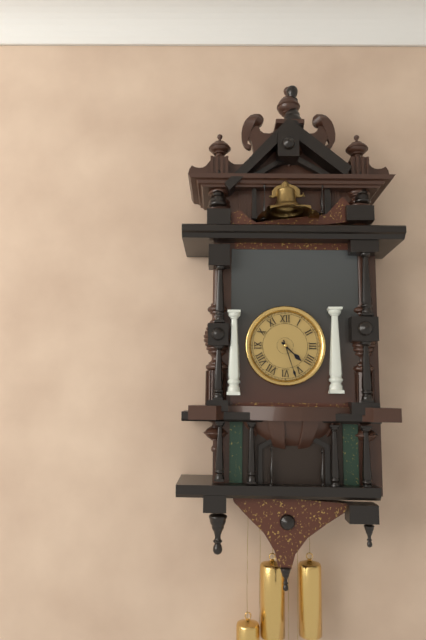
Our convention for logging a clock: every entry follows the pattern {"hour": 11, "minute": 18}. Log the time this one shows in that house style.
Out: {"hour": 4, "minute": 27}
